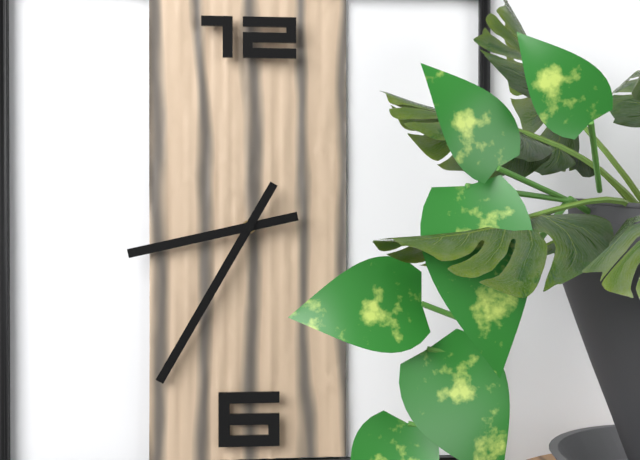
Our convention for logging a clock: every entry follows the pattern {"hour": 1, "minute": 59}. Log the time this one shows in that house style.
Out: {"hour": 8, "minute": 35}
